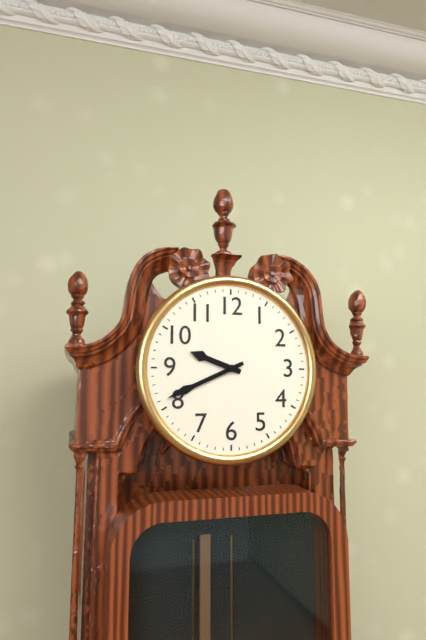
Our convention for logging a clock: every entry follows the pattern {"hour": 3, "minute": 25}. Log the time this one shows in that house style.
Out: {"hour": 9, "minute": 41}
